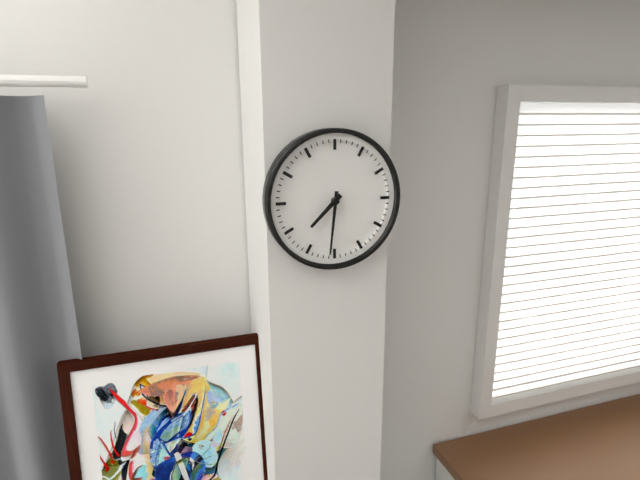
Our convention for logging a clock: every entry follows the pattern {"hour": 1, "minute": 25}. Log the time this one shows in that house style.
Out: {"hour": 7, "minute": 31}
